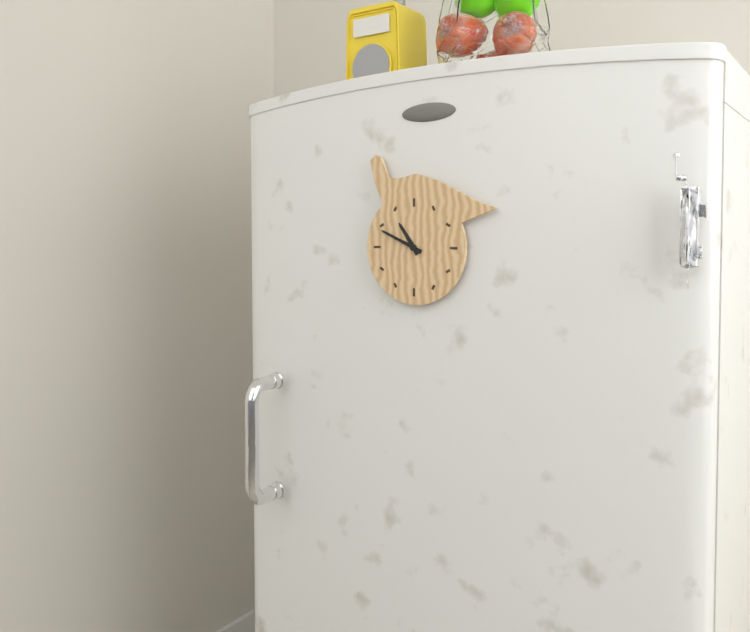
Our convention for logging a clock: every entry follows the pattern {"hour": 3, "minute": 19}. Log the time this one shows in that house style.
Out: {"hour": 10, "minute": 49}
